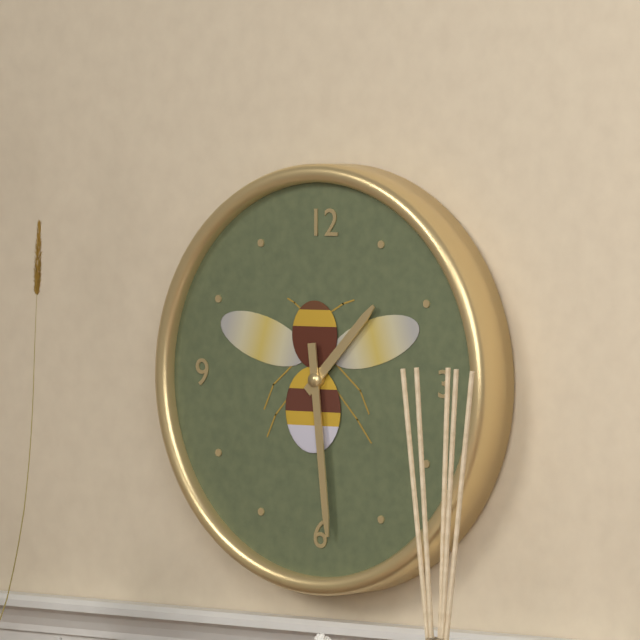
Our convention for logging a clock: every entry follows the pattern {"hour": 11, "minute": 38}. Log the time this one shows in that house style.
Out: {"hour": 1, "minute": 29}
